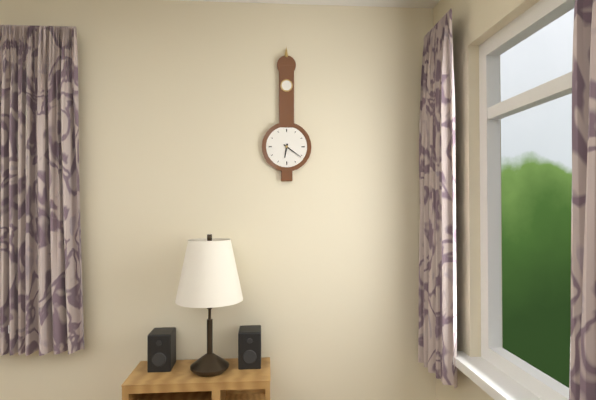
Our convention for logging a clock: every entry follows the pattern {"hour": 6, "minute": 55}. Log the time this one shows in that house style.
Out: {"hour": 6, "minute": 21}
